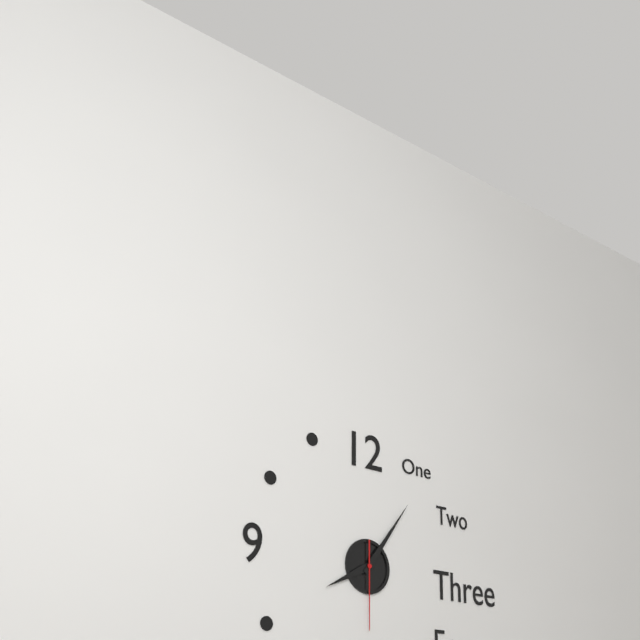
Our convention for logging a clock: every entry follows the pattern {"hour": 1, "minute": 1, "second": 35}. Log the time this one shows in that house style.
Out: {"hour": 8, "minute": 6, "second": 30}
